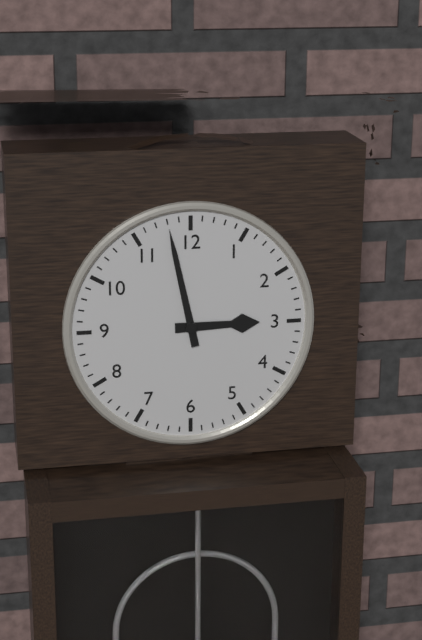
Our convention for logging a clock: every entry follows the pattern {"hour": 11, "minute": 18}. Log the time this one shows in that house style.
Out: {"hour": 2, "minute": 58}
